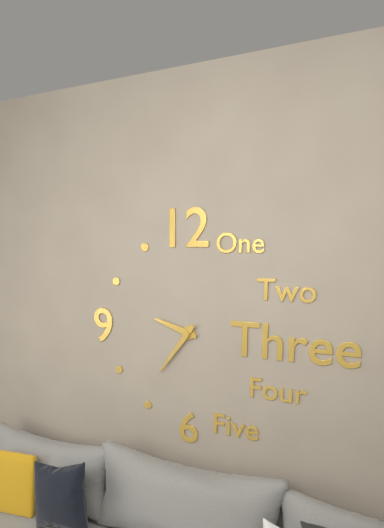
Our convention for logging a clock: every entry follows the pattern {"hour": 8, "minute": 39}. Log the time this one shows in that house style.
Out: {"hour": 9, "minute": 36}
